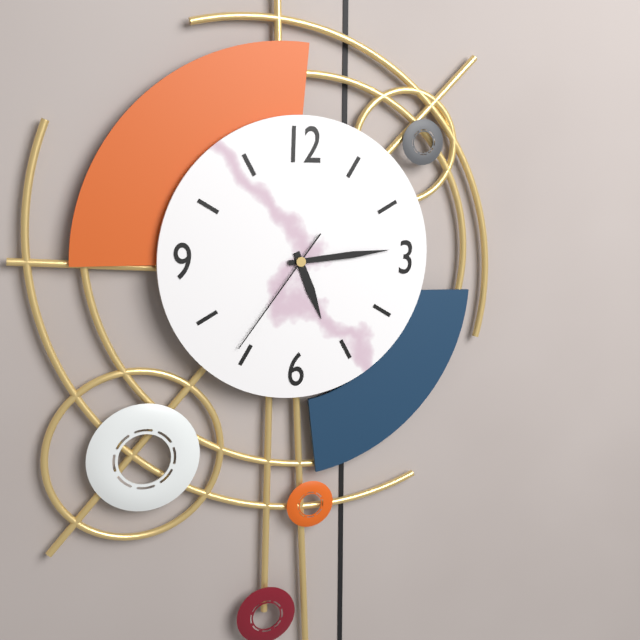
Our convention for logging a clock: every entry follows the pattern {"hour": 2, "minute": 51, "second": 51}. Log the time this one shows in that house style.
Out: {"hour": 5, "minute": 14, "second": 36}
